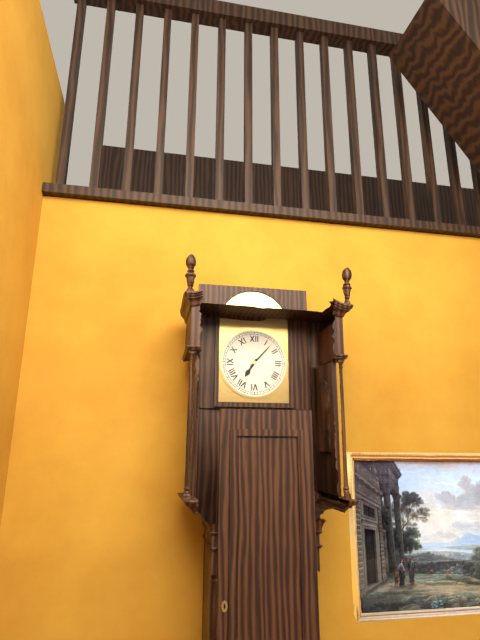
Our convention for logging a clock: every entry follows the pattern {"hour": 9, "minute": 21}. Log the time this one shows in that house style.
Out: {"hour": 7, "minute": 7}
